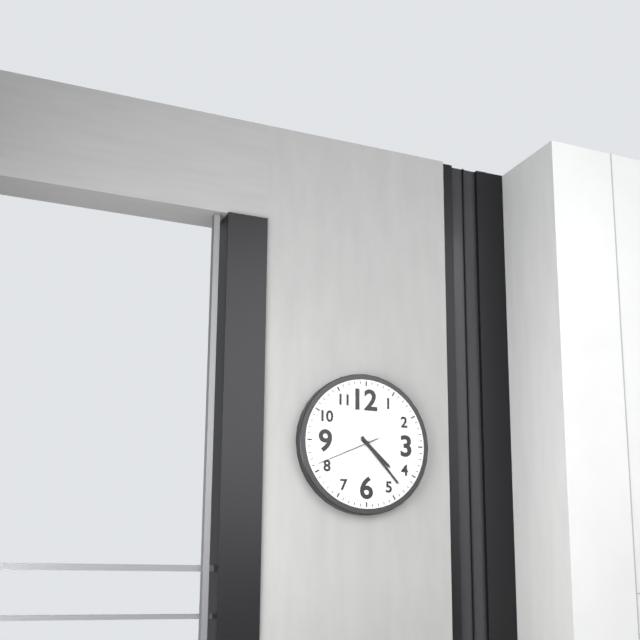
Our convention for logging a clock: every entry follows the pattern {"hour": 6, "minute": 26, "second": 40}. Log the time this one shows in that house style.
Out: {"hour": 4, "minute": 23, "second": 41}
